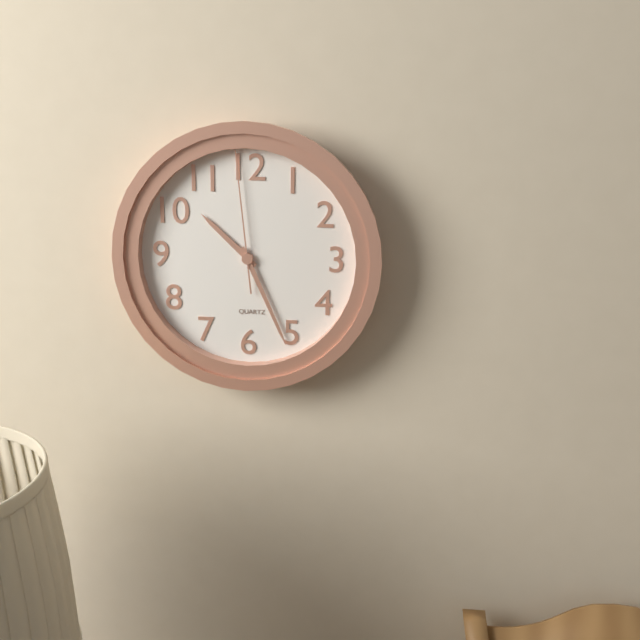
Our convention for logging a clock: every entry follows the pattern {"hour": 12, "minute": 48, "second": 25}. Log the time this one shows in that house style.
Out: {"hour": 10, "minute": 26, "second": 59}
